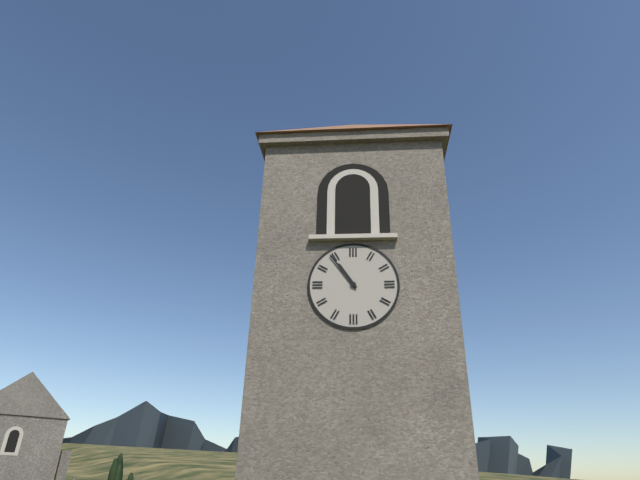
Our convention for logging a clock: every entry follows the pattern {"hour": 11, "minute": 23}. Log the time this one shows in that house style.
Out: {"hour": 10, "minute": 54}
